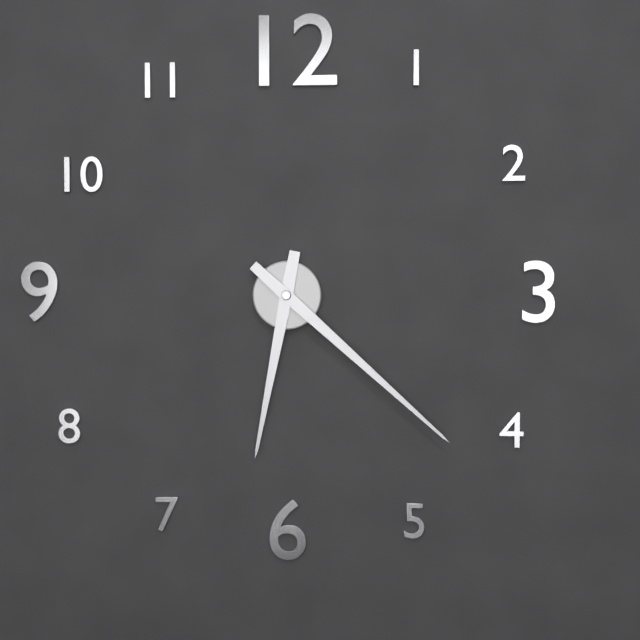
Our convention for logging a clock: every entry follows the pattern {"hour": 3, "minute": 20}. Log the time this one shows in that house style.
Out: {"hour": 6, "minute": 22}
